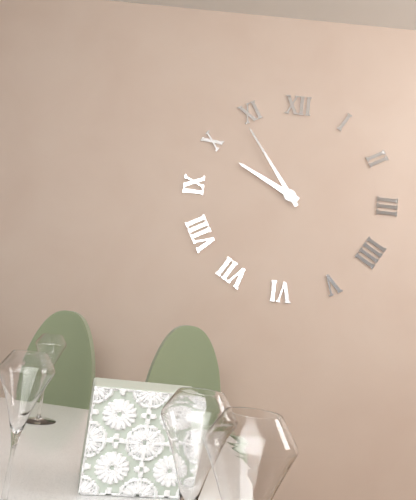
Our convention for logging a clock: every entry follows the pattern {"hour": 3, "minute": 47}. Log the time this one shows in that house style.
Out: {"hour": 9, "minute": 54}
